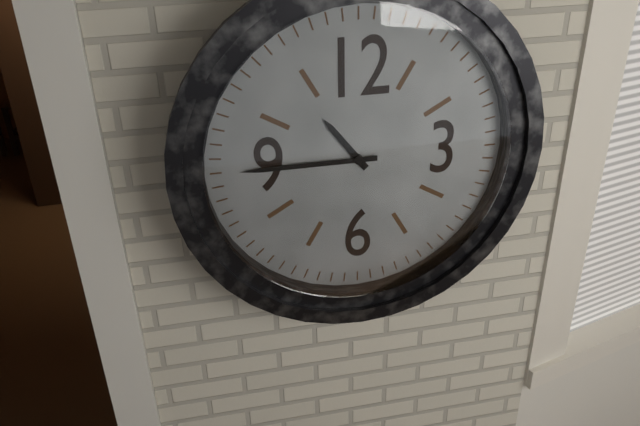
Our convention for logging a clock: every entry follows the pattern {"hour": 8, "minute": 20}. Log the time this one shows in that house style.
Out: {"hour": 10, "minute": 45}
